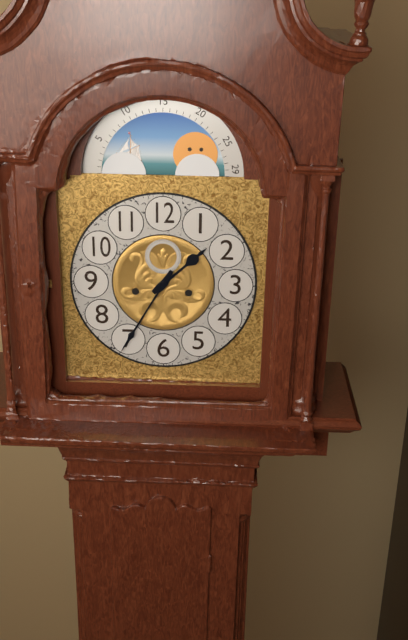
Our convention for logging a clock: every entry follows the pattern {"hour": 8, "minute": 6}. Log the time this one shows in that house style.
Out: {"hour": 1, "minute": 35}
